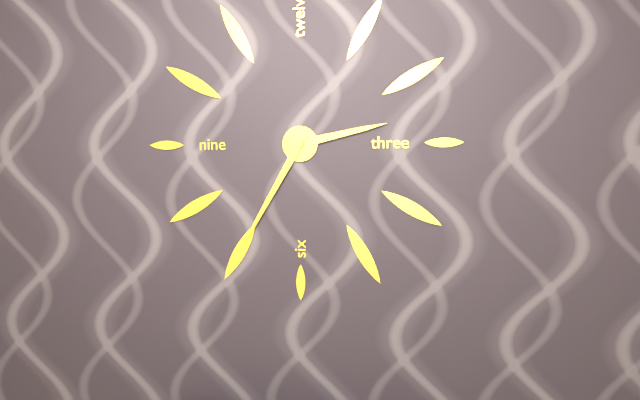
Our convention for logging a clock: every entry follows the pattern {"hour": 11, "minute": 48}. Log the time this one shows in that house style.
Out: {"hour": 2, "minute": 35}
